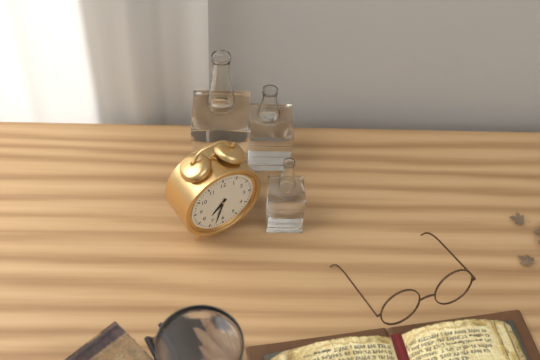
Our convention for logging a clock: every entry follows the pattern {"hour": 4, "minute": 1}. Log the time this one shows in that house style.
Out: {"hour": 7, "minute": 33}
